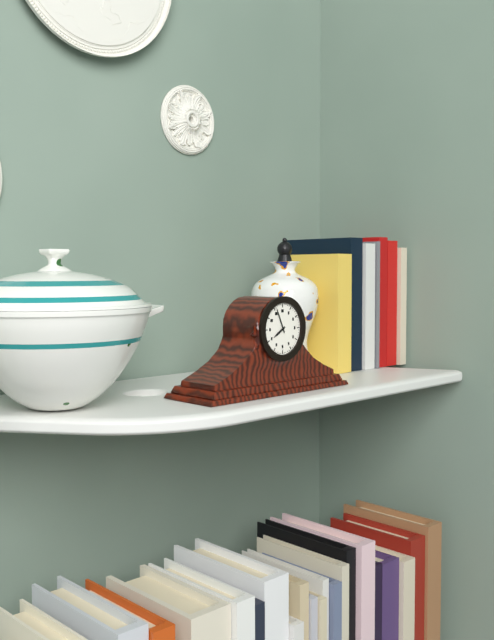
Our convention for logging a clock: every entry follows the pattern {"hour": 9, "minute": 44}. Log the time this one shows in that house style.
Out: {"hour": 7, "minute": 56}
